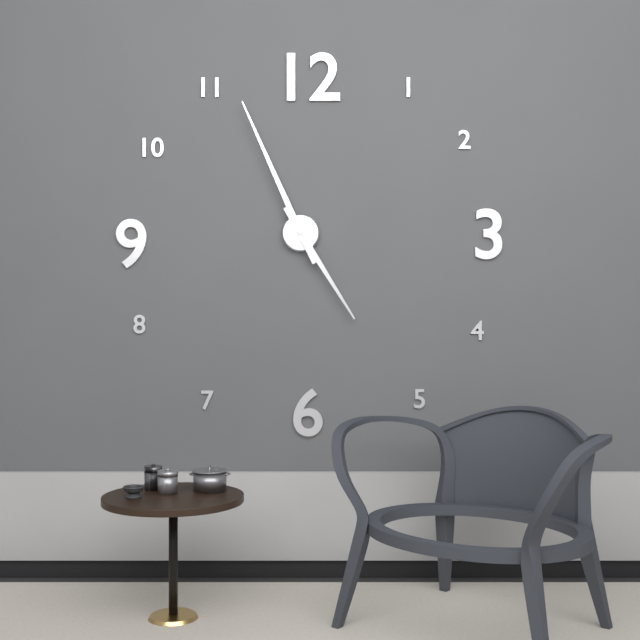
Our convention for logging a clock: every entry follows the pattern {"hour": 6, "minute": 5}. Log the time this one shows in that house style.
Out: {"hour": 4, "minute": 56}
